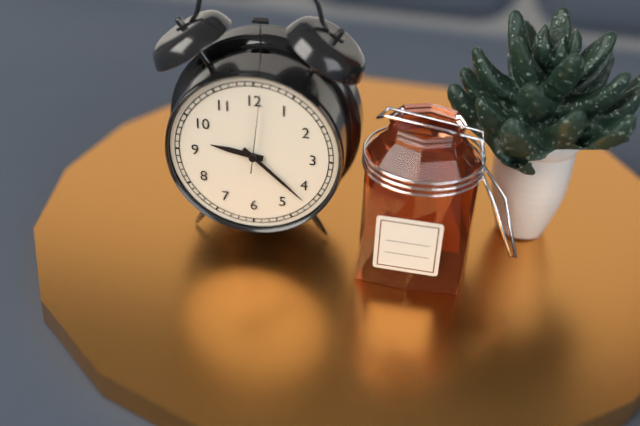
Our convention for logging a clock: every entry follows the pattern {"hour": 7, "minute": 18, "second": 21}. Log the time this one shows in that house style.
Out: {"hour": 9, "minute": 22, "second": 1}
